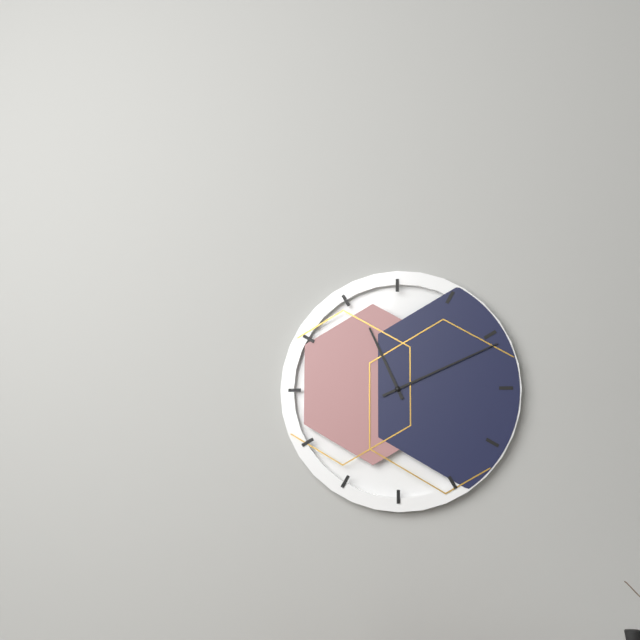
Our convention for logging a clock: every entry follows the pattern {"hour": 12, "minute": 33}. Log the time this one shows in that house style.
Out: {"hour": 11, "minute": 11}
